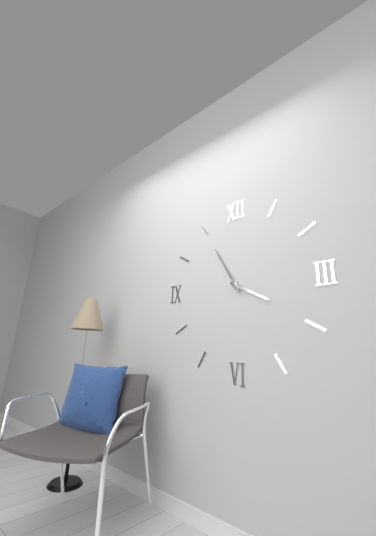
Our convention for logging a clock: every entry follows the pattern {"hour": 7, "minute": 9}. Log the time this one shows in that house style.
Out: {"hour": 3, "minute": 55}
